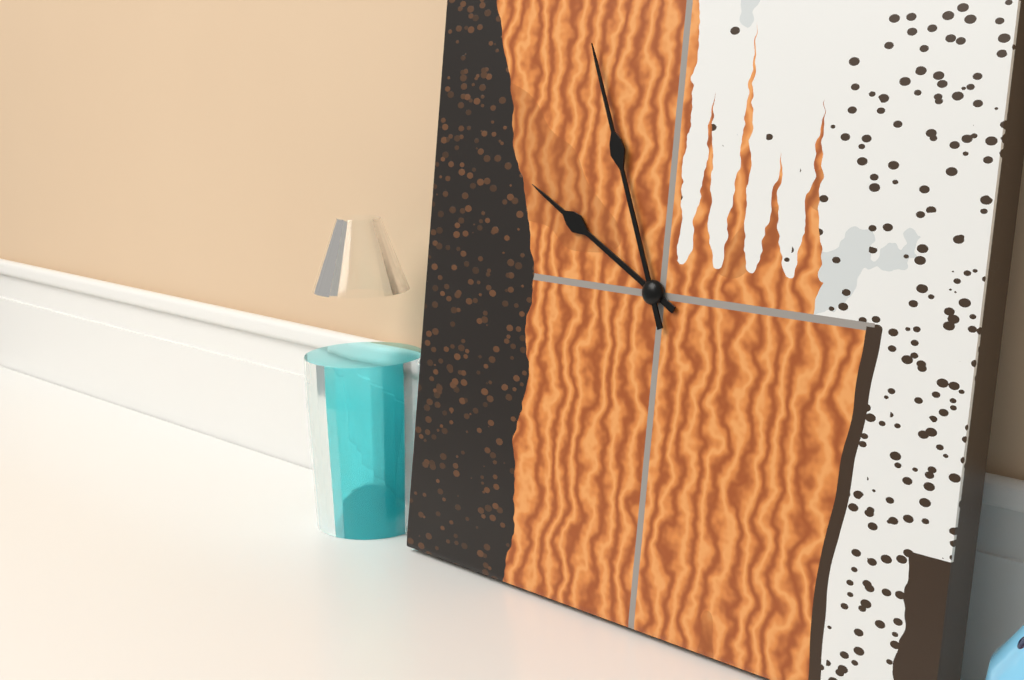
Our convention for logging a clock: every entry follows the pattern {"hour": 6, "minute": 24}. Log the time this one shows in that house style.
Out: {"hour": 9, "minute": 56}
